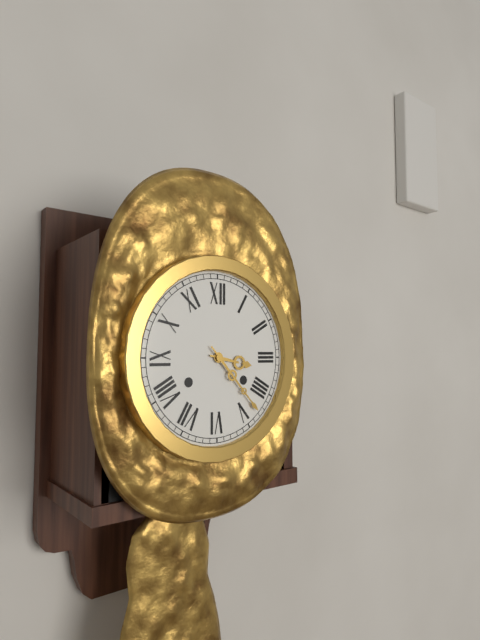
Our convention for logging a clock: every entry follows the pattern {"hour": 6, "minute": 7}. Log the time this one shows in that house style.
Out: {"hour": 3, "minute": 23}
